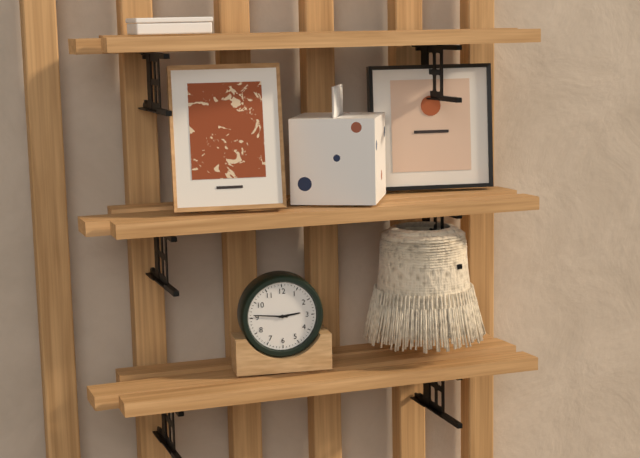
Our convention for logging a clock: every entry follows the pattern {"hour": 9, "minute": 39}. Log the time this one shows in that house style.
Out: {"hour": 2, "minute": 46}
